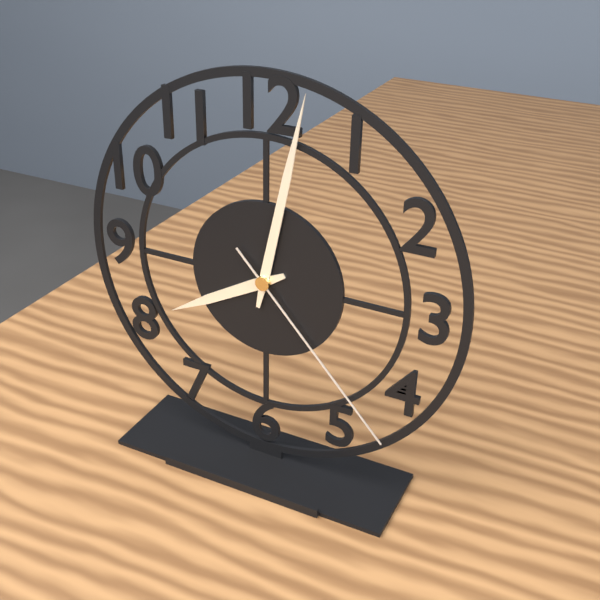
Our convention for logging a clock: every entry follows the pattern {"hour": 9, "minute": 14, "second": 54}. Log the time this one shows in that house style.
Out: {"hour": 8, "minute": 2, "second": 23}
